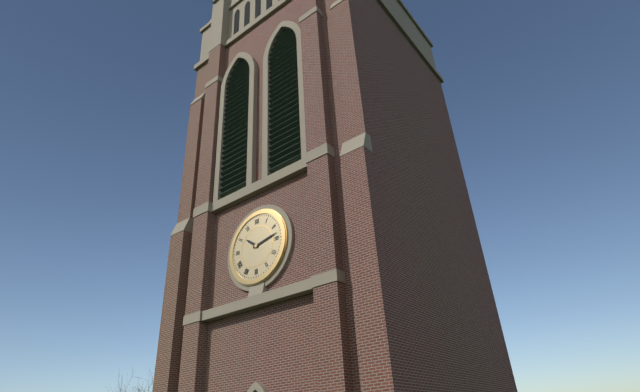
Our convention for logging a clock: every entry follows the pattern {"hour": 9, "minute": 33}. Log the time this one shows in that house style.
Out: {"hour": 10, "minute": 13}
